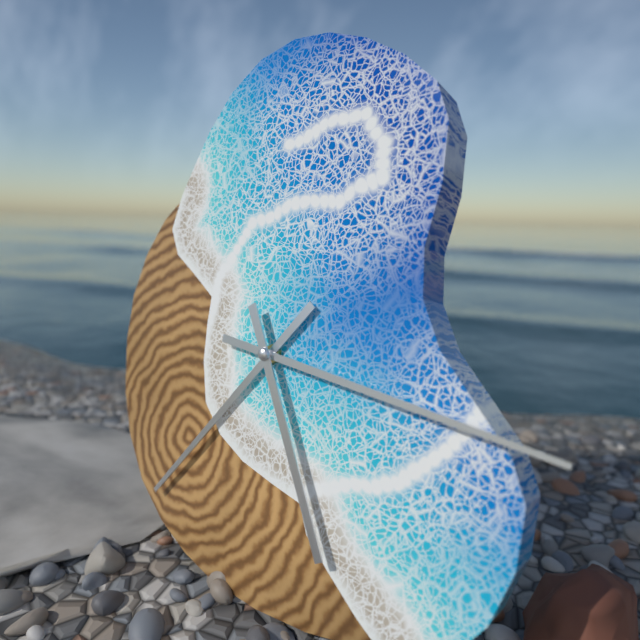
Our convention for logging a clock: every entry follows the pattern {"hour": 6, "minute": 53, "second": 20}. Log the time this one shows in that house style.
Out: {"hour": 7, "minute": 16, "second": 25}
